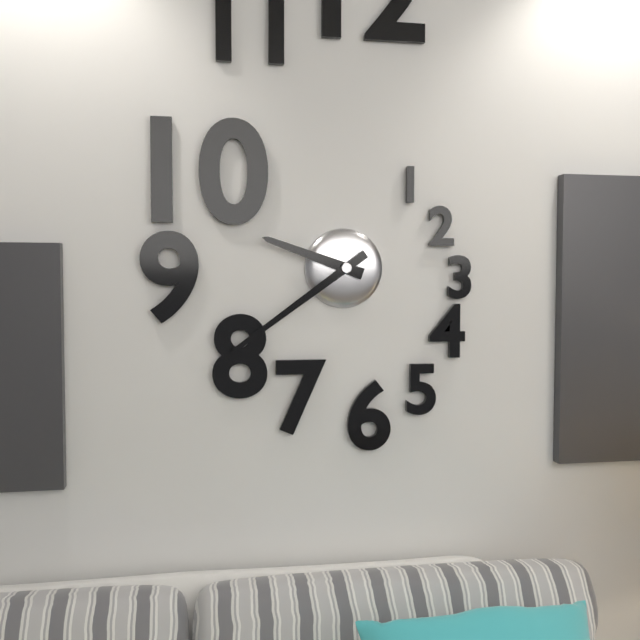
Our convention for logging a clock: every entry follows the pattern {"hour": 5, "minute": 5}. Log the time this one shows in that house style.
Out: {"hour": 9, "minute": 39}
